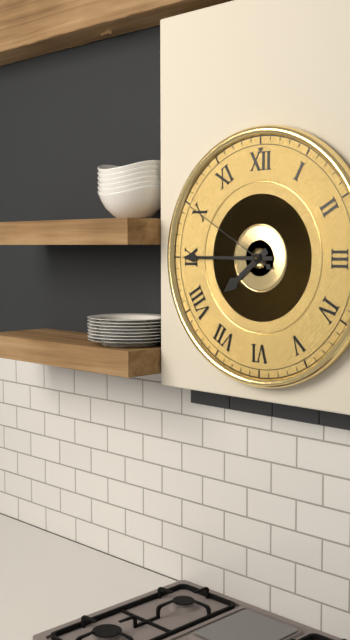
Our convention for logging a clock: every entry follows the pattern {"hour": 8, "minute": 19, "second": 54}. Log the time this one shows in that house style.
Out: {"hour": 7, "minute": 45, "second": 50}
